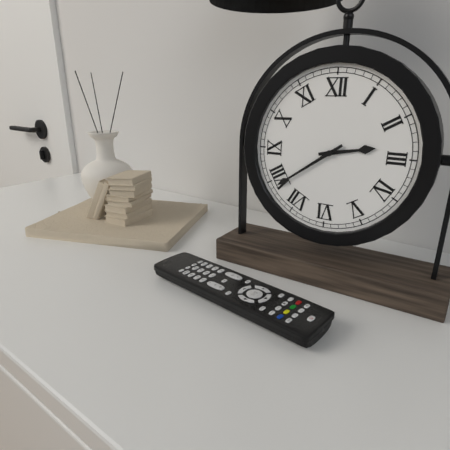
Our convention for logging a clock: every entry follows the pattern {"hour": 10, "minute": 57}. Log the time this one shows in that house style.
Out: {"hour": 2, "minute": 39}
